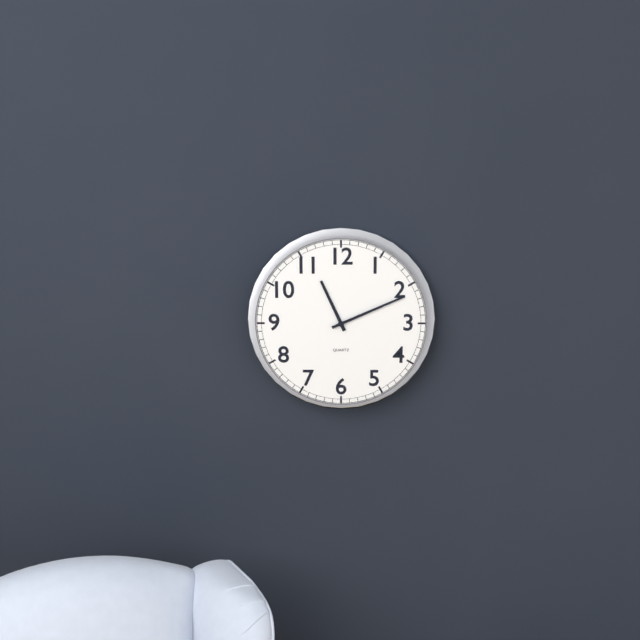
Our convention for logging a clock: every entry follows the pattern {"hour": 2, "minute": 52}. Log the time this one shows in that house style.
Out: {"hour": 11, "minute": 11}
